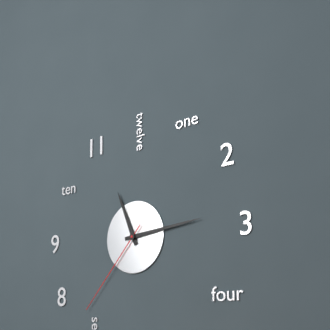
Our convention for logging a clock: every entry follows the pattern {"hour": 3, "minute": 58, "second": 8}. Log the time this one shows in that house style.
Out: {"hour": 11, "minute": 14, "second": 37}
